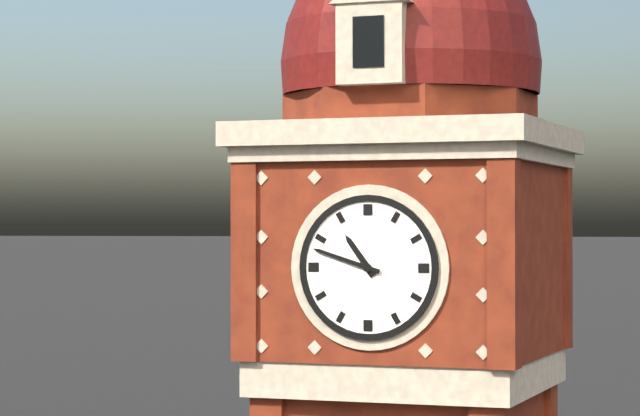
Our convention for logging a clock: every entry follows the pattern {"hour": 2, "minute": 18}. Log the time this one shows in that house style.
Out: {"hour": 10, "minute": 48}
